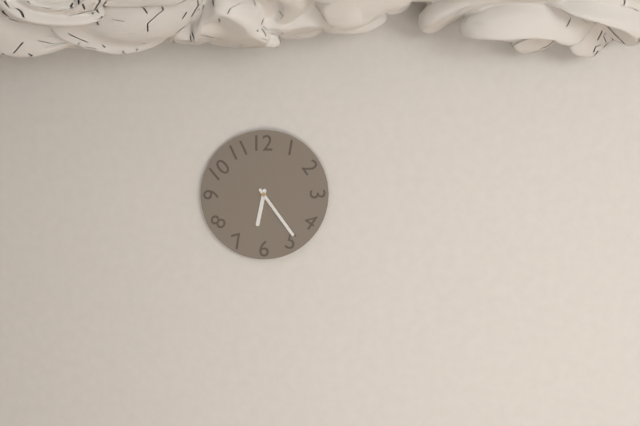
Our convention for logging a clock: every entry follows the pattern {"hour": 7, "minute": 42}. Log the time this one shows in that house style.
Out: {"hour": 6, "minute": 24}
